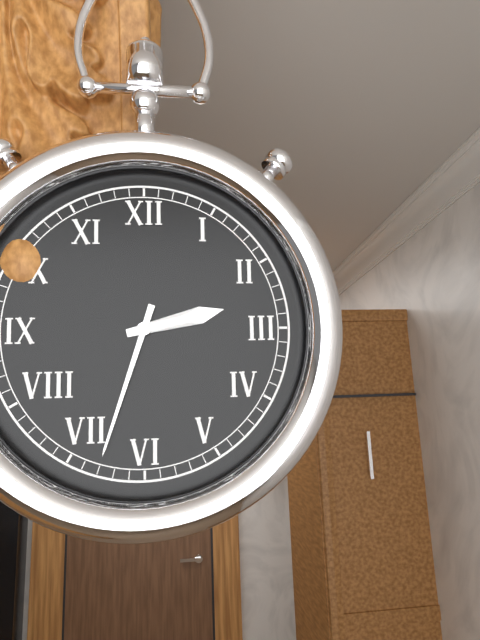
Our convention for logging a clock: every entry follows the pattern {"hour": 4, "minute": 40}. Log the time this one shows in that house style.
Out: {"hour": 2, "minute": 33}
